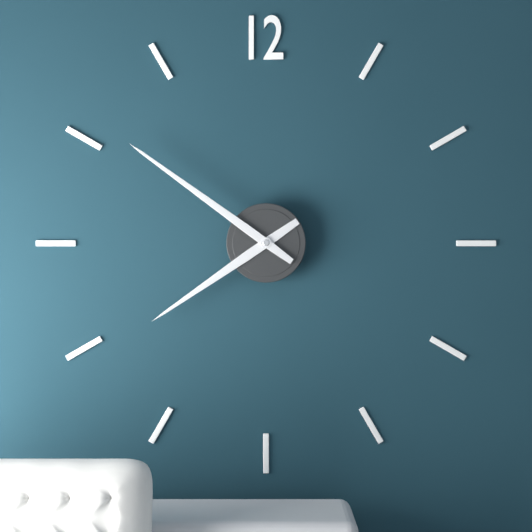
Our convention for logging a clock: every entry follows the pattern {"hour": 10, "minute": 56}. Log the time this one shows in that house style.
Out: {"hour": 7, "minute": 51}
